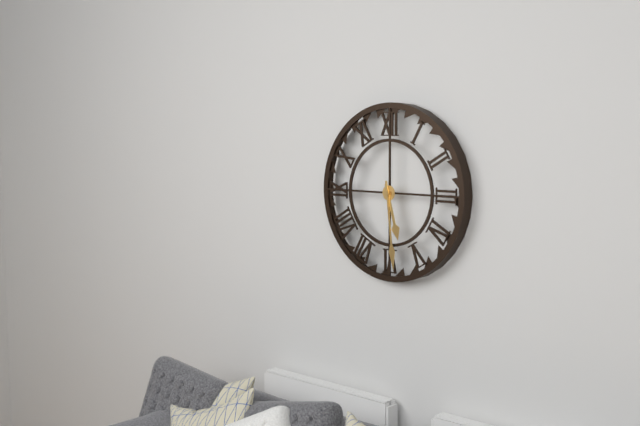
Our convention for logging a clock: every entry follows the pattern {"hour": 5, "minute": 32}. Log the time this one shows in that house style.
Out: {"hour": 5, "minute": 29}
